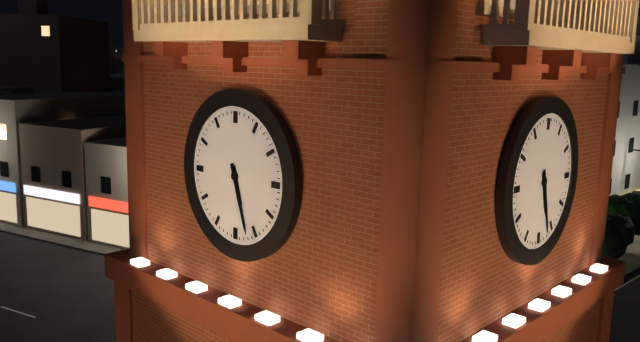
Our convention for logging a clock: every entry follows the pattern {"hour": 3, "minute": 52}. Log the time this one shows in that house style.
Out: {"hour": 5, "minute": 27}
